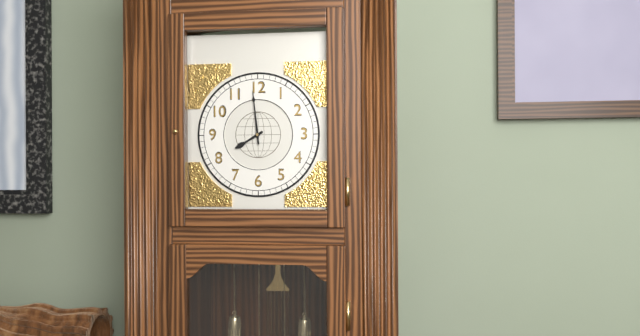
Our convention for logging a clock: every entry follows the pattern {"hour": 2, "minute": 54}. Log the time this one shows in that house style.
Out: {"hour": 7, "minute": 59}
